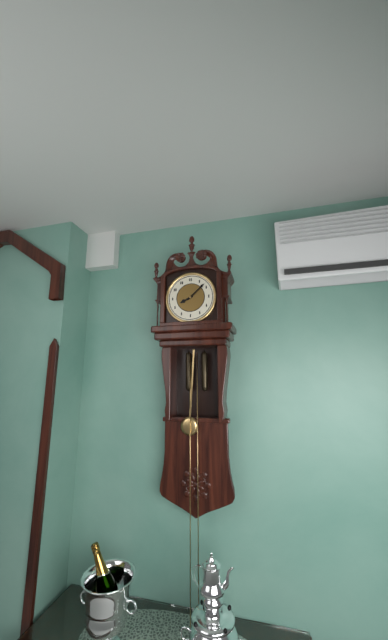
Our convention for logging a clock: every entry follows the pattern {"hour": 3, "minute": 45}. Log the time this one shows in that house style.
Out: {"hour": 8, "minute": 8}
